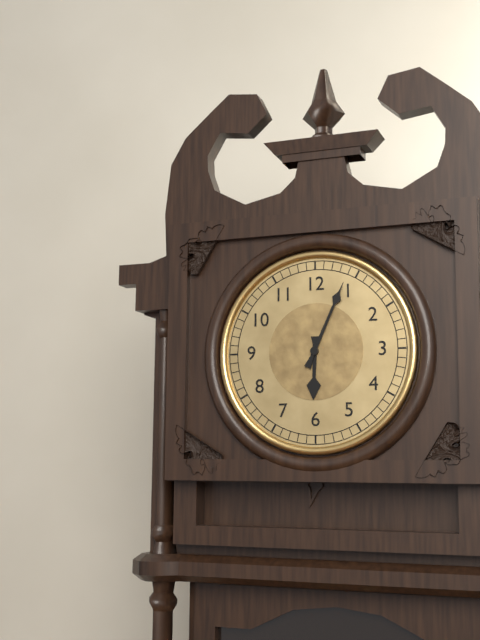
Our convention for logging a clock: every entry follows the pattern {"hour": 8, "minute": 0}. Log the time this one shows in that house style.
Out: {"hour": 6, "minute": 4}
